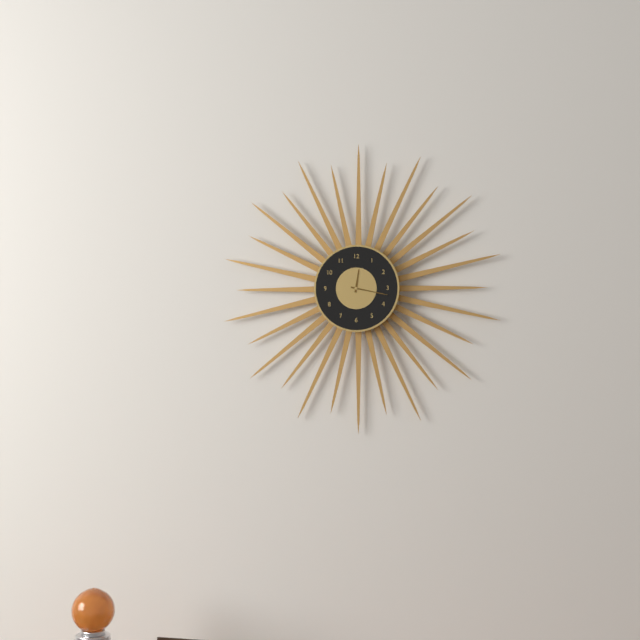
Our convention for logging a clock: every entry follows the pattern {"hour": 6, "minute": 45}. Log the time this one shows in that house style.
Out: {"hour": 12, "minute": 17}
